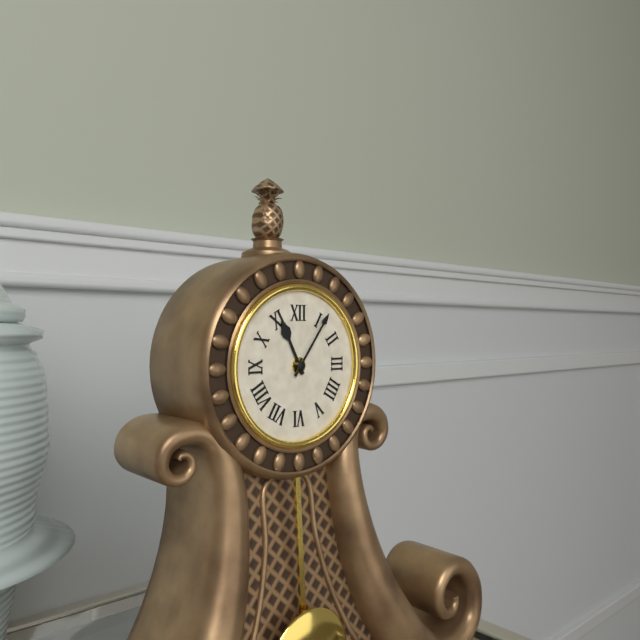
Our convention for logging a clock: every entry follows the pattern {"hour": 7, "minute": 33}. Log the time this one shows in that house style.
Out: {"hour": 11, "minute": 6}
